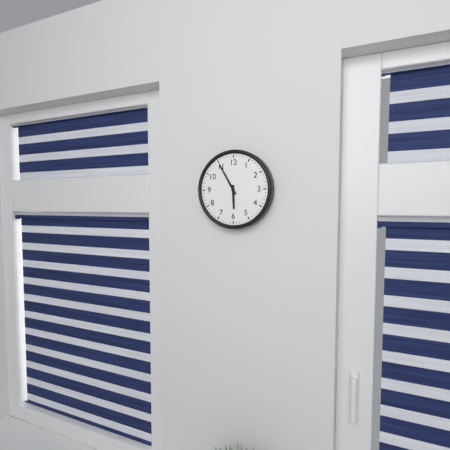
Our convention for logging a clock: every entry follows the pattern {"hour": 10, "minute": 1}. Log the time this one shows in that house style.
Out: {"hour": 5, "minute": 55}
